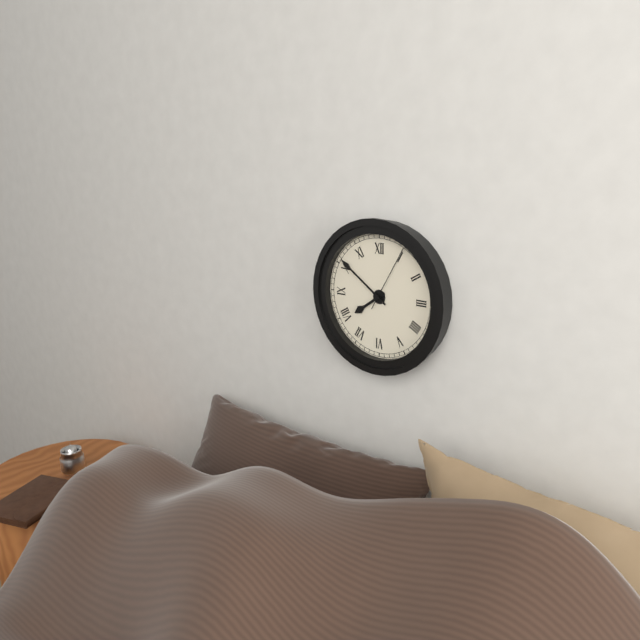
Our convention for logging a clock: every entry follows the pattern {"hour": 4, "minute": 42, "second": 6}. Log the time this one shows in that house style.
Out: {"hour": 7, "minute": 51, "second": 5}
